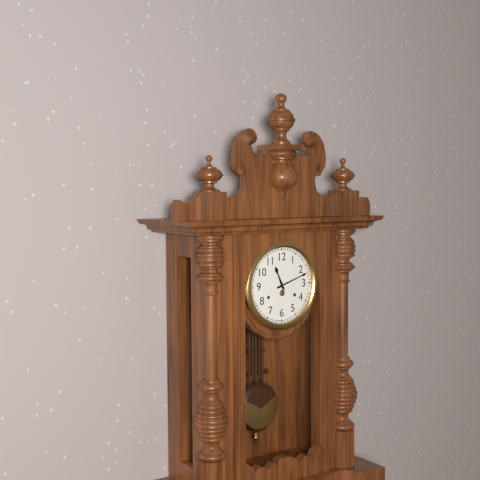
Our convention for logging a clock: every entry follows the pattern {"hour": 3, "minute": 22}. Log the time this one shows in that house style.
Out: {"hour": 11, "minute": 12}
